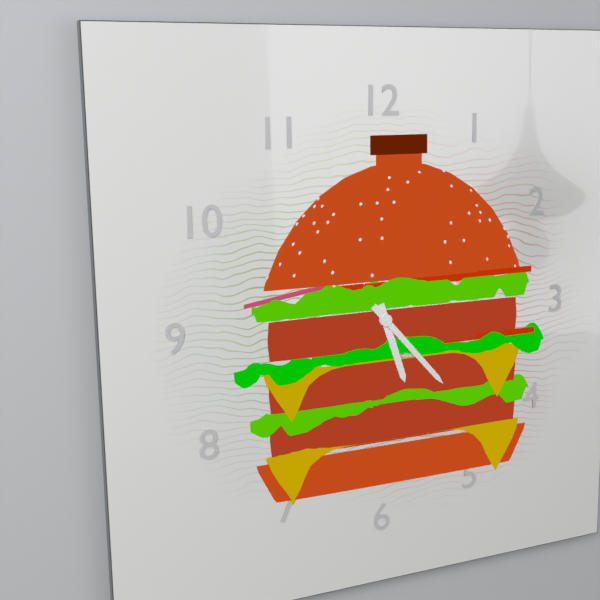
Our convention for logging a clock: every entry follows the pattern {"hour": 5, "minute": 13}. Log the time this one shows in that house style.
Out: {"hour": 5, "minute": 23}
